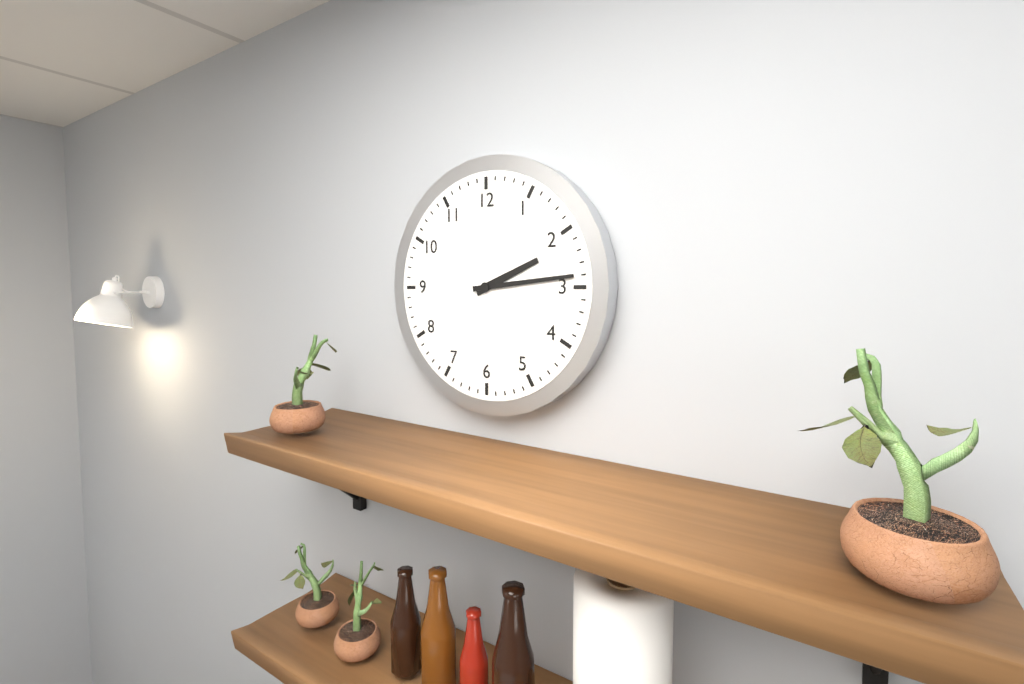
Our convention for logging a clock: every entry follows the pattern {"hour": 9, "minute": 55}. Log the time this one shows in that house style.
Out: {"hour": 2, "minute": 14}
